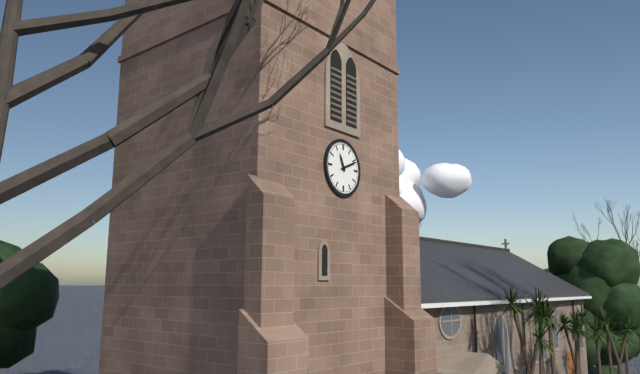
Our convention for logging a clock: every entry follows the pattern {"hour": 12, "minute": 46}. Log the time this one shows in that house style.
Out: {"hour": 11, "minute": 11}
